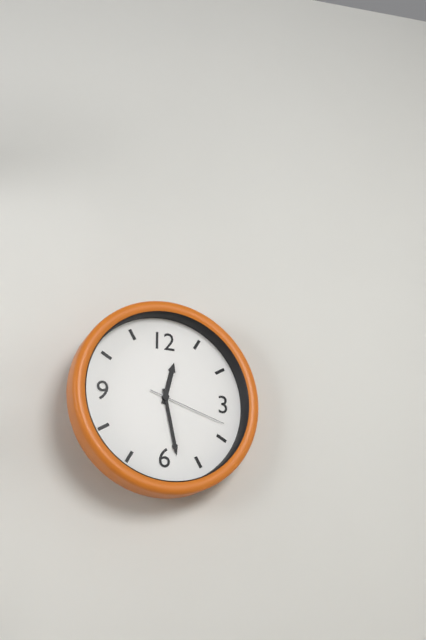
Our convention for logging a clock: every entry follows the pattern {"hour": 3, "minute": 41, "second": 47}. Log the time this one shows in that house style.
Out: {"hour": 12, "minute": 28, "second": 18}
